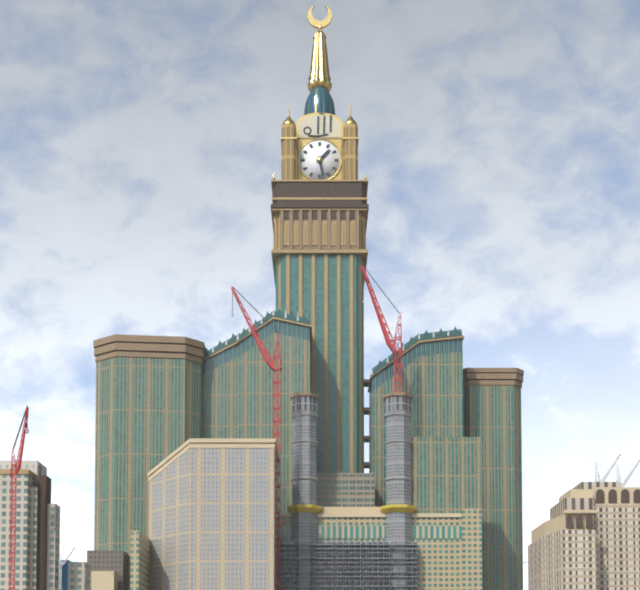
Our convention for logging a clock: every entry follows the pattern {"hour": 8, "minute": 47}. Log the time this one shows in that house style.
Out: {"hour": 1, "minute": 28}
